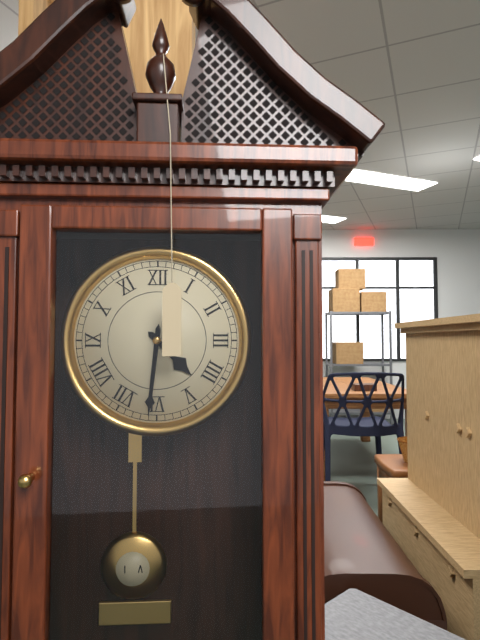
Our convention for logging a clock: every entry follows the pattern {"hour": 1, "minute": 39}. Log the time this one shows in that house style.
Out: {"hour": 4, "minute": 31}
